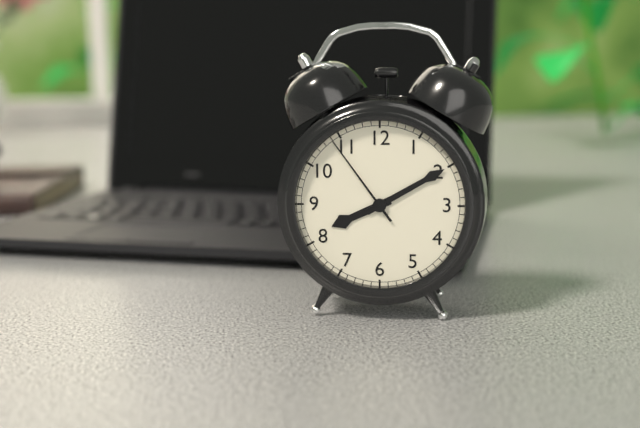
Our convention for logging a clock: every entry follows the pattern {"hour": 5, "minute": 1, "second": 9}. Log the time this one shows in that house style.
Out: {"hour": 8, "minute": 10, "second": 54}
